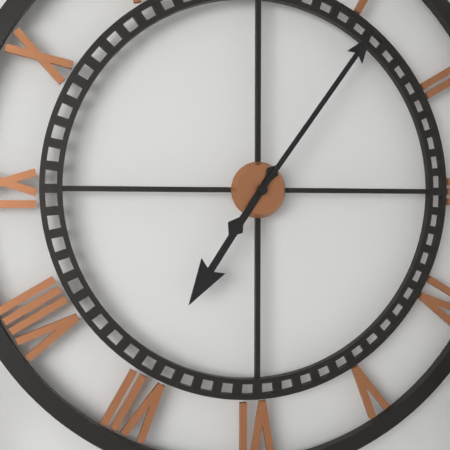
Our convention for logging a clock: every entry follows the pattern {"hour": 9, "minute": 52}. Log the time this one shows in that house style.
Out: {"hour": 7, "minute": 6}
